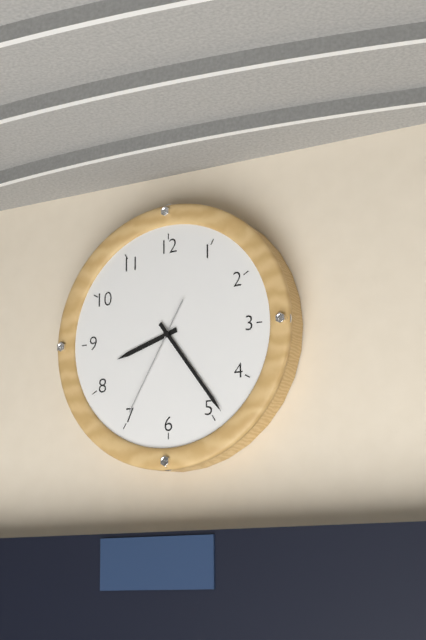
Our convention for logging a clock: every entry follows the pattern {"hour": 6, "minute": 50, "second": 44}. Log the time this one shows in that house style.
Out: {"hour": 8, "minute": 24, "second": 35}
